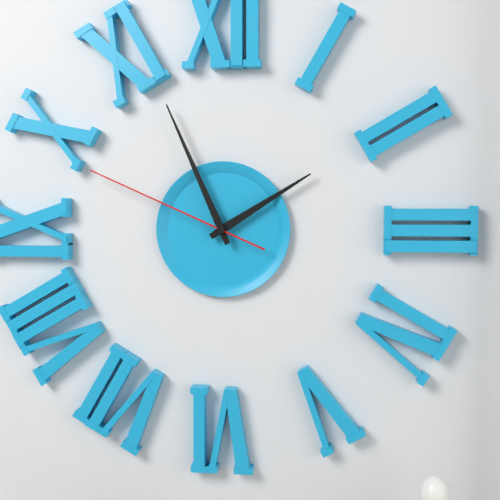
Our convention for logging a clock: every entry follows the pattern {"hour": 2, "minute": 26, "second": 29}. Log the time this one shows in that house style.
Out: {"hour": 1, "minute": 56, "second": 49}
